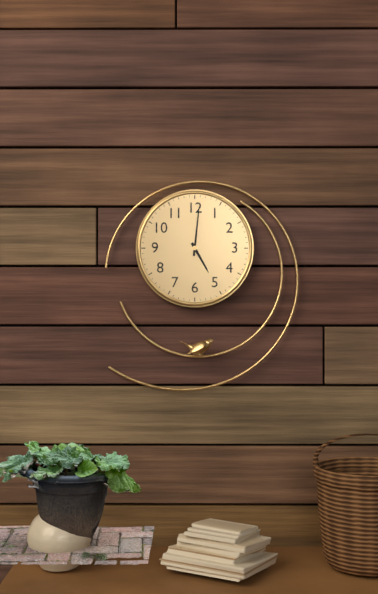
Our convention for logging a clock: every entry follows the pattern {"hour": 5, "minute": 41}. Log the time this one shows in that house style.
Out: {"hour": 5, "minute": 1}
